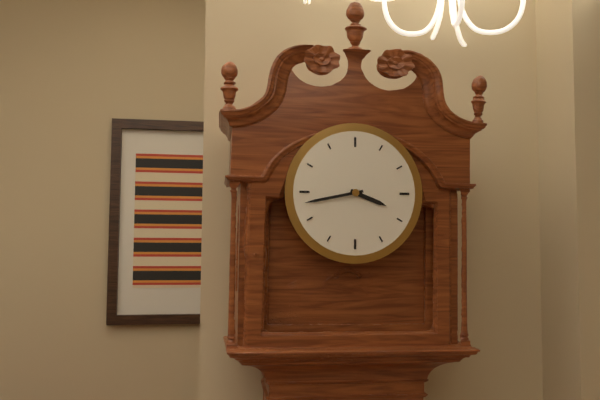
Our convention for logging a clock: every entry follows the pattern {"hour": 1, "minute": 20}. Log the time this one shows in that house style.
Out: {"hour": 3, "minute": 43}
